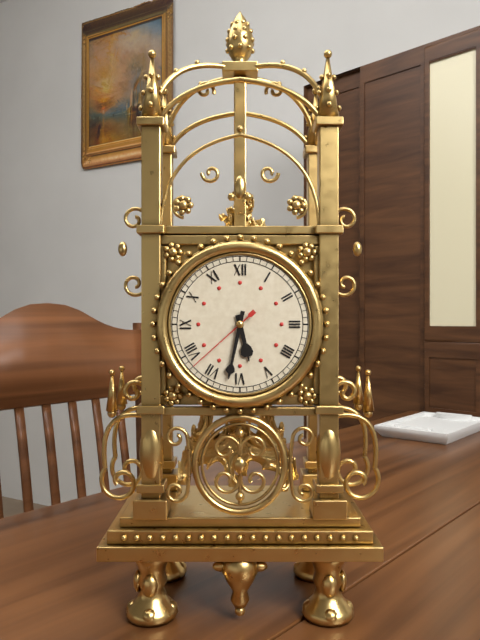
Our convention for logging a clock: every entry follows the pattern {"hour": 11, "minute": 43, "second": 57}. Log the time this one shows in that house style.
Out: {"hour": 5, "minute": 32, "second": 38}
